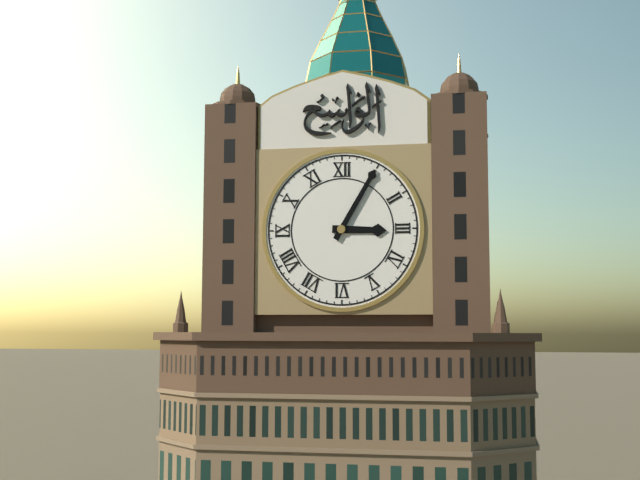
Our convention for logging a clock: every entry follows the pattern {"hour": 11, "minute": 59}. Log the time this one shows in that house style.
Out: {"hour": 3, "minute": 5}
